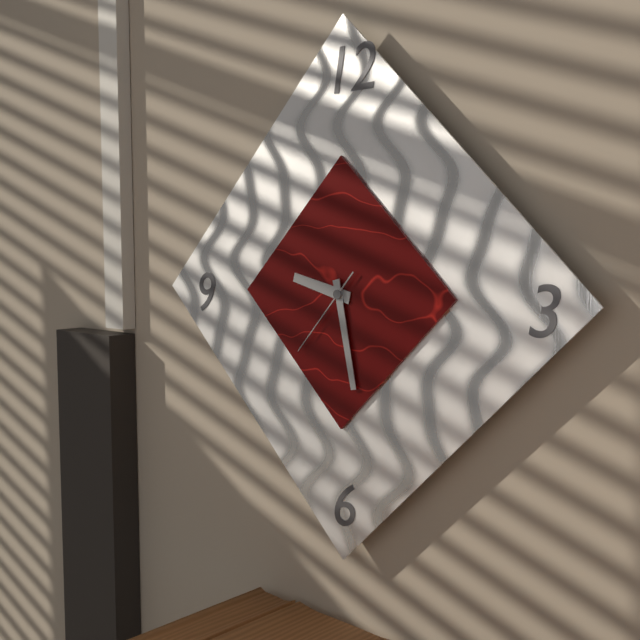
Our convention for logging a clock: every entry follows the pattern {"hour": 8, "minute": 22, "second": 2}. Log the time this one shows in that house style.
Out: {"hour": 9, "minute": 28, "second": 37}
